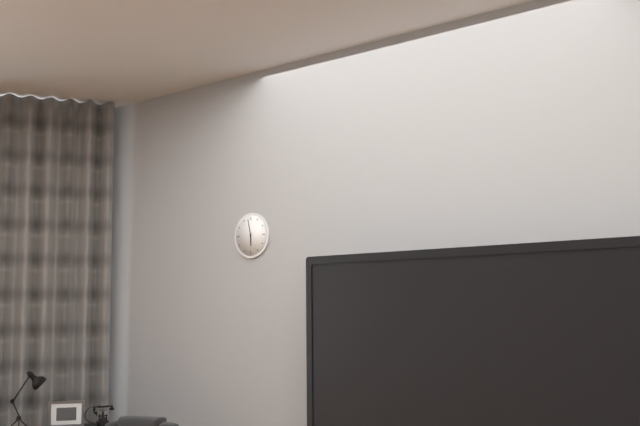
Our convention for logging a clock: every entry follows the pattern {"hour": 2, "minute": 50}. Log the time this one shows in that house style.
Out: {"hour": 5, "minute": 58}
